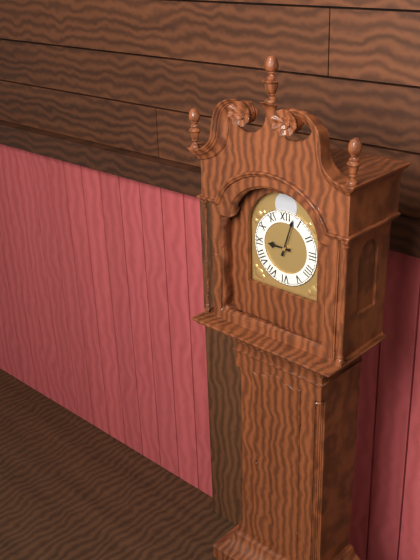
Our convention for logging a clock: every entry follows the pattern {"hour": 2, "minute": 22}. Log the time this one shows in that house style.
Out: {"hour": 9, "minute": 3}
